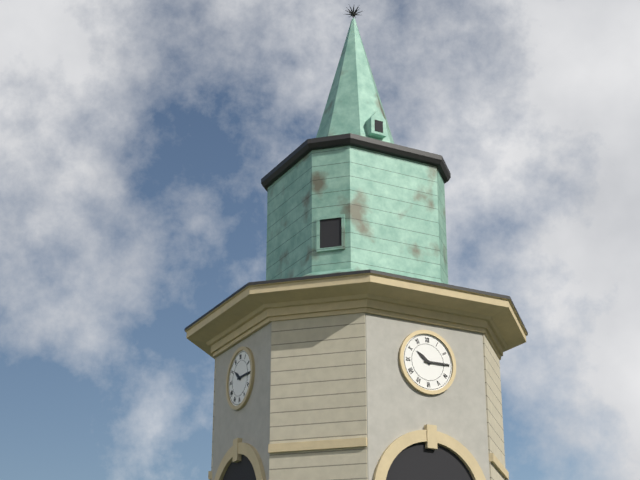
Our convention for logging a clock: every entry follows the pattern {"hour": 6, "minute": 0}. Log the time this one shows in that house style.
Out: {"hour": 10, "minute": 15}
